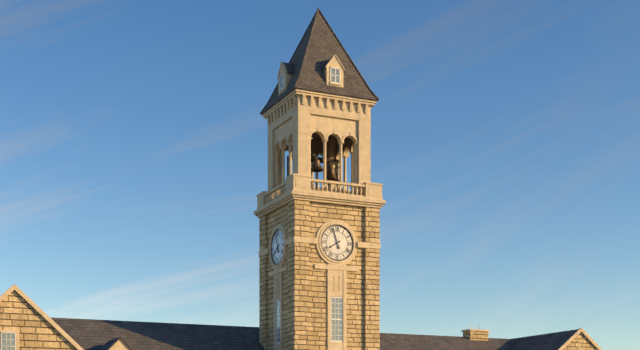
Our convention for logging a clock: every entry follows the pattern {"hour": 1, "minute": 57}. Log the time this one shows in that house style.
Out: {"hour": 7, "minute": 57}
